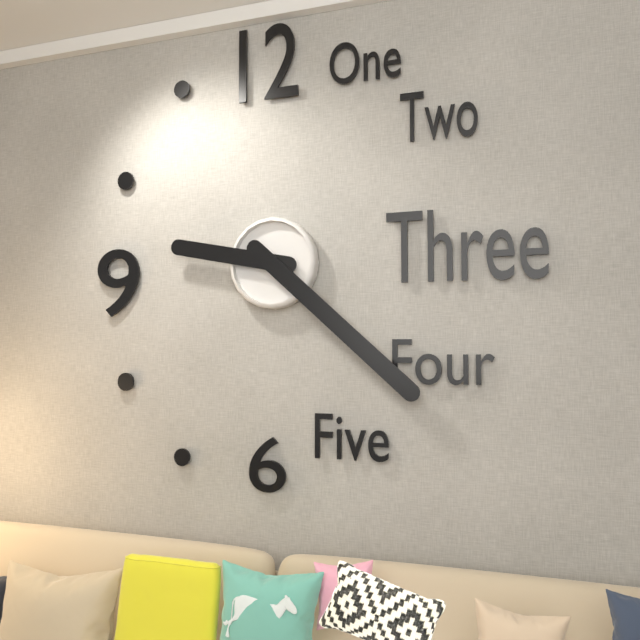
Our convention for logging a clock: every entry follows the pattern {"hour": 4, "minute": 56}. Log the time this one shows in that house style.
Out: {"hour": 9, "minute": 22}
